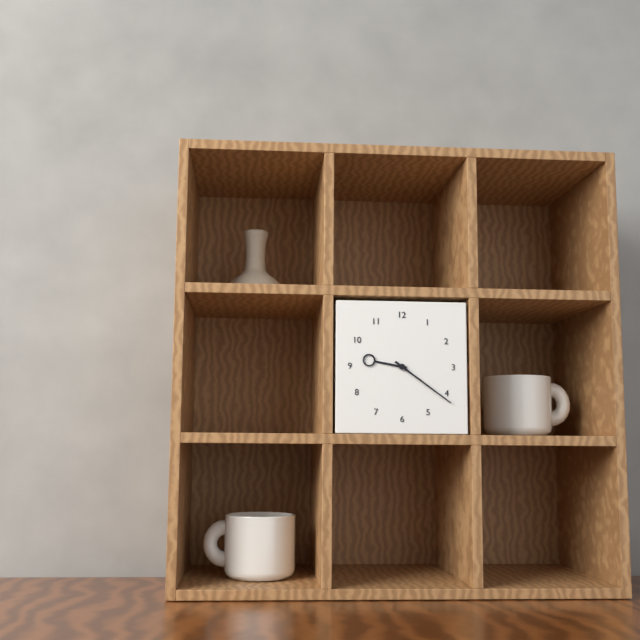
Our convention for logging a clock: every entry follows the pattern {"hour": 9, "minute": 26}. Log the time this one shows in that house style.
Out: {"hour": 9, "minute": 21}
